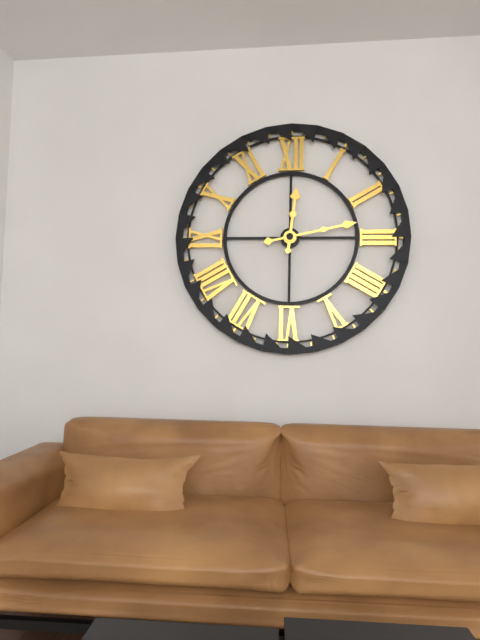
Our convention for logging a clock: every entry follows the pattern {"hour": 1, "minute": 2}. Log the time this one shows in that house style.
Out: {"hour": 12, "minute": 13}
